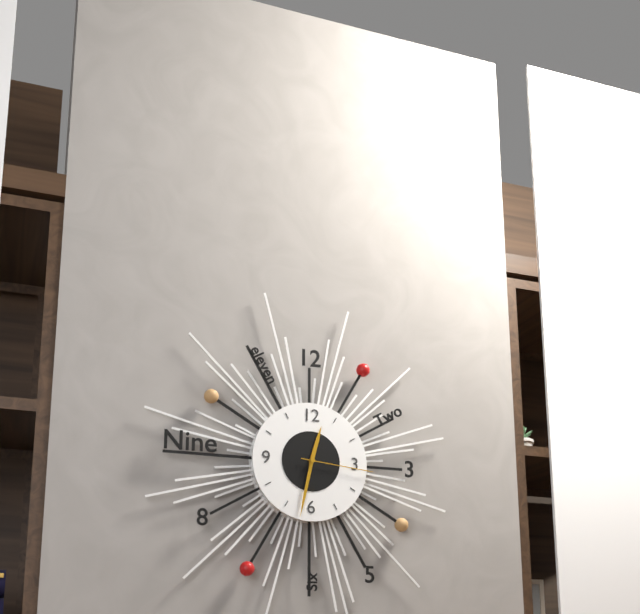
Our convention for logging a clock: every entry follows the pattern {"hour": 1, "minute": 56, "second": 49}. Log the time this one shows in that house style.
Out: {"hour": 12, "minute": 32, "second": 16}
